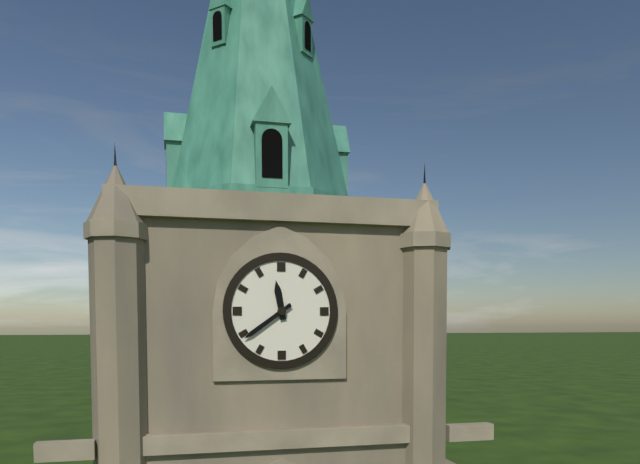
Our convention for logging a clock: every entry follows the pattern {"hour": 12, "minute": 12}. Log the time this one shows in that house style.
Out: {"hour": 11, "minute": 39}
